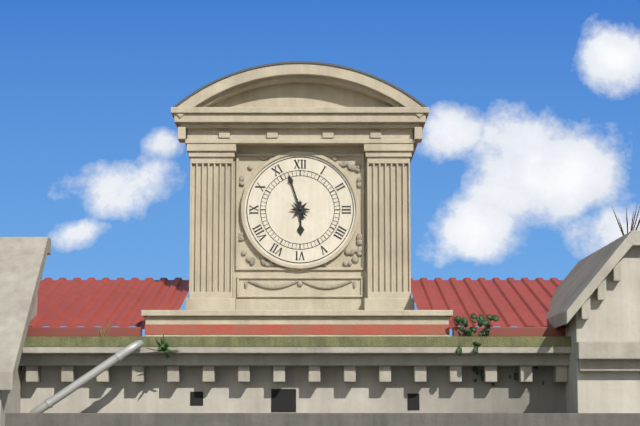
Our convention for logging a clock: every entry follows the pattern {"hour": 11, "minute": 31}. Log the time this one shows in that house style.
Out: {"hour": 5, "minute": 57}
